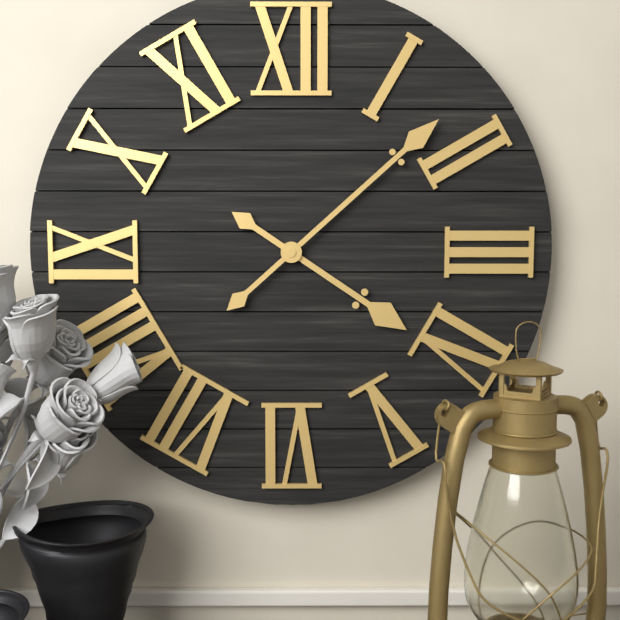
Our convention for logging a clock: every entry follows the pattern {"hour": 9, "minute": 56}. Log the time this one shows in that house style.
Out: {"hour": 4, "minute": 8}
